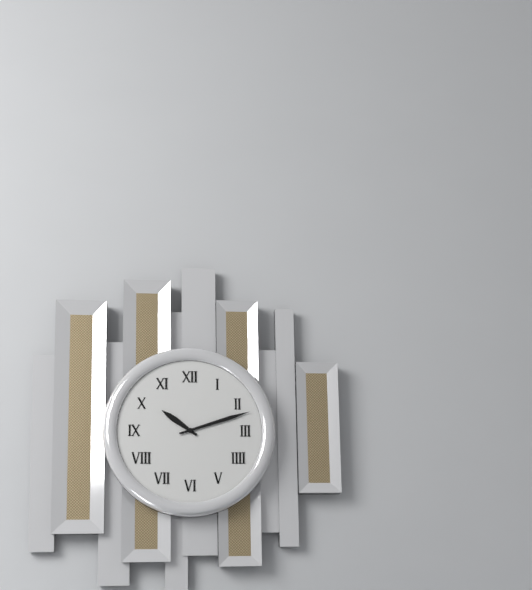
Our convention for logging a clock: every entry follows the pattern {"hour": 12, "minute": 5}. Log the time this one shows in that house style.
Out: {"hour": 10, "minute": 12}
